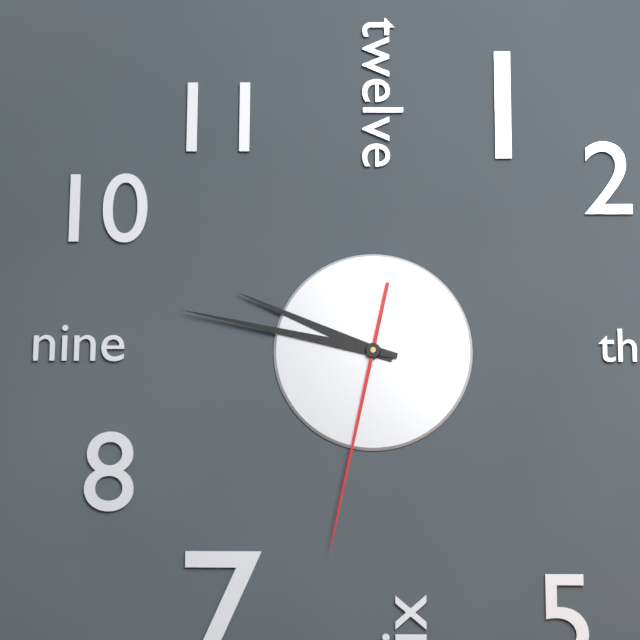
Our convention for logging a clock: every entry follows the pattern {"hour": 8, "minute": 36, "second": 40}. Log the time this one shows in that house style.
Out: {"hour": 9, "minute": 47, "second": 32}
